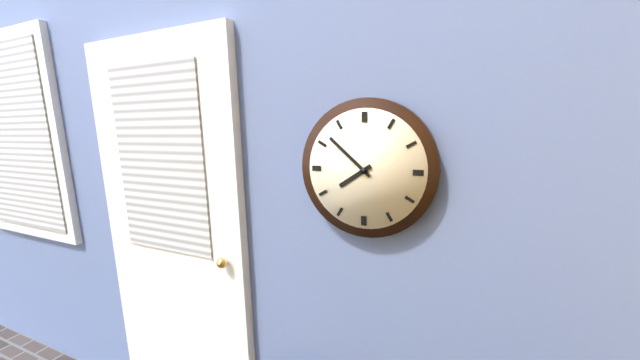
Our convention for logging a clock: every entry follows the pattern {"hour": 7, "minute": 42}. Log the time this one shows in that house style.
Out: {"hour": 7, "minute": 52}
